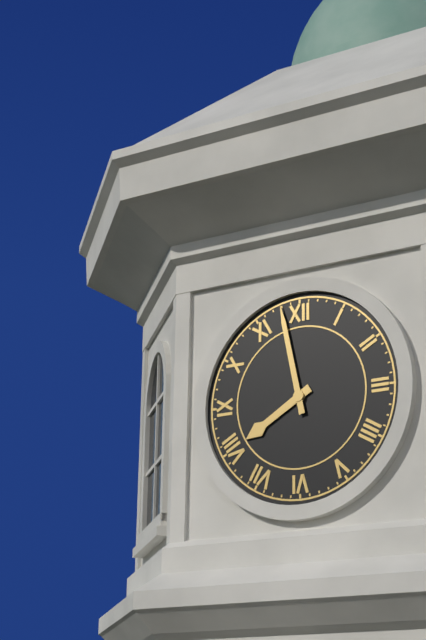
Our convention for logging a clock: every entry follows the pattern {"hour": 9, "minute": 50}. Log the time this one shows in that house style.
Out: {"hour": 7, "minute": 58}
